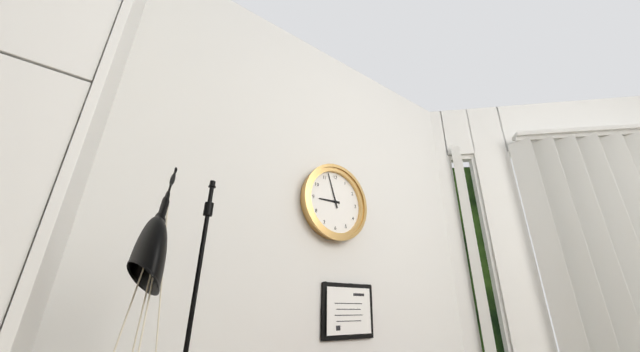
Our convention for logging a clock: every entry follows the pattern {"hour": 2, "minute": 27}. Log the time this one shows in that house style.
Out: {"hour": 8, "minute": 57}
